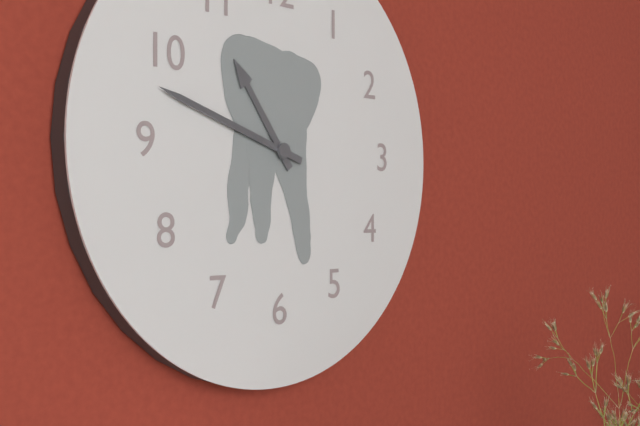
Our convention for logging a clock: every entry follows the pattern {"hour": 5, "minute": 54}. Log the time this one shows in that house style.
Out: {"hour": 10, "minute": 48}
